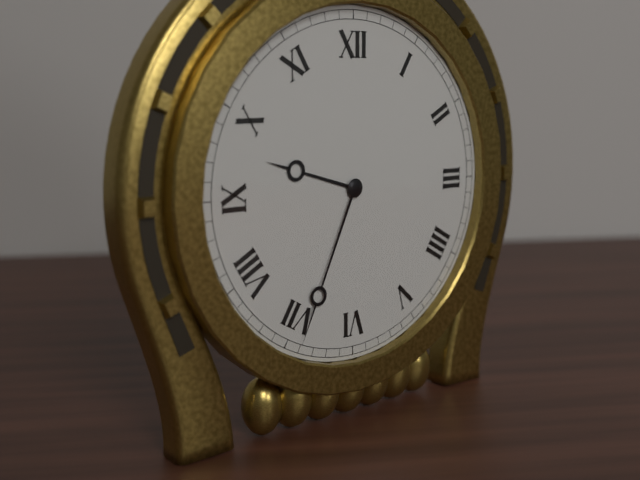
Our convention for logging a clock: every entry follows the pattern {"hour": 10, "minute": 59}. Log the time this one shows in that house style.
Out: {"hour": 9, "minute": 34}
